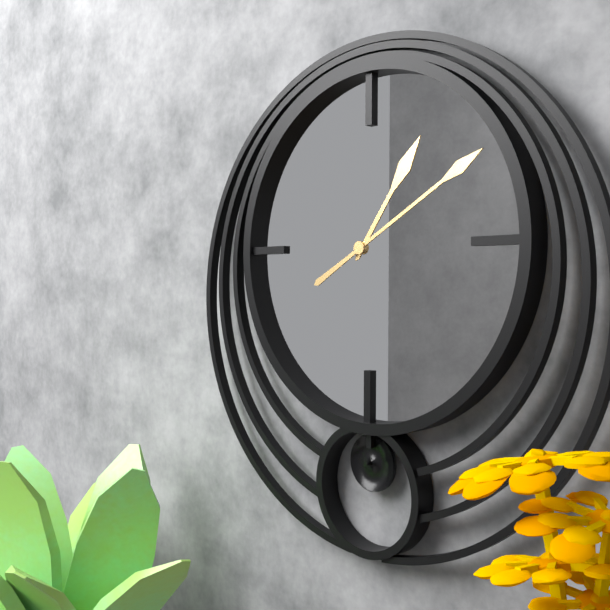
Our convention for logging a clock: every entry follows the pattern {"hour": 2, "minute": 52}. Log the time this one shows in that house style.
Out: {"hour": 1, "minute": 10}
